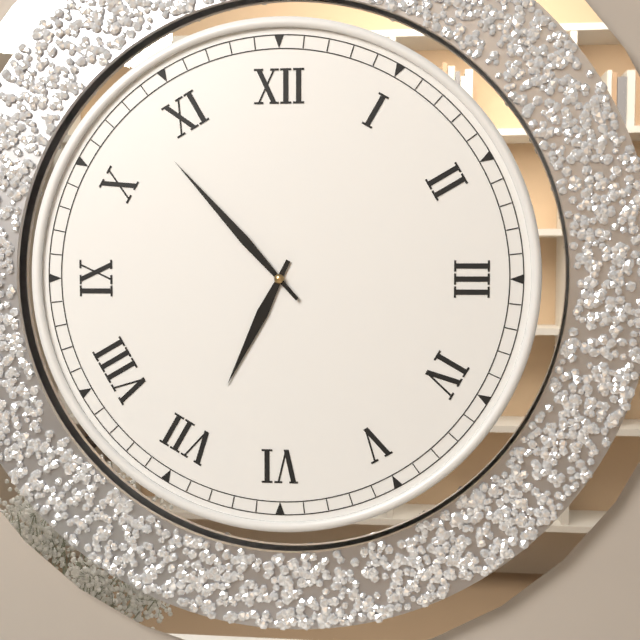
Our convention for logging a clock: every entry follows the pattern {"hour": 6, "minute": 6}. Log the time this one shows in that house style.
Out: {"hour": 6, "minute": 53}
